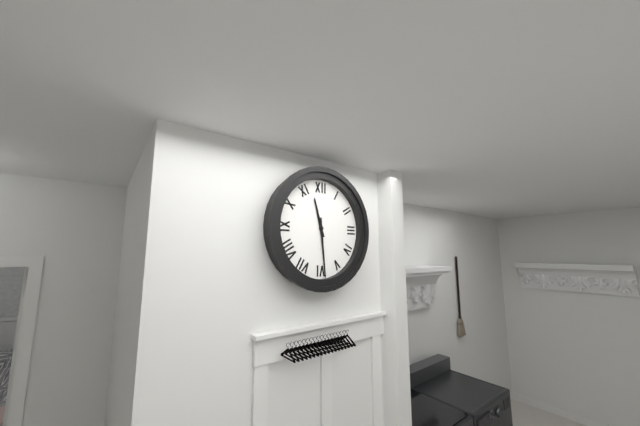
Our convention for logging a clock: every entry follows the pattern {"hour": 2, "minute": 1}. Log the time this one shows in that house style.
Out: {"hour": 11, "minute": 29}
